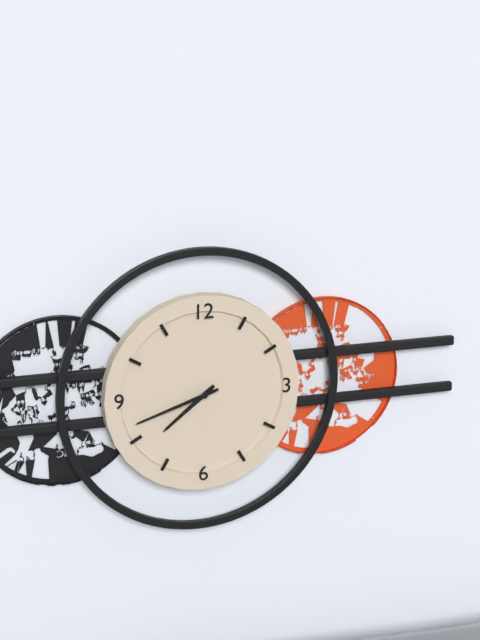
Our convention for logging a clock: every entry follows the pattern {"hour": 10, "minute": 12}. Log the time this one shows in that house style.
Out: {"hour": 7, "minute": 42}
